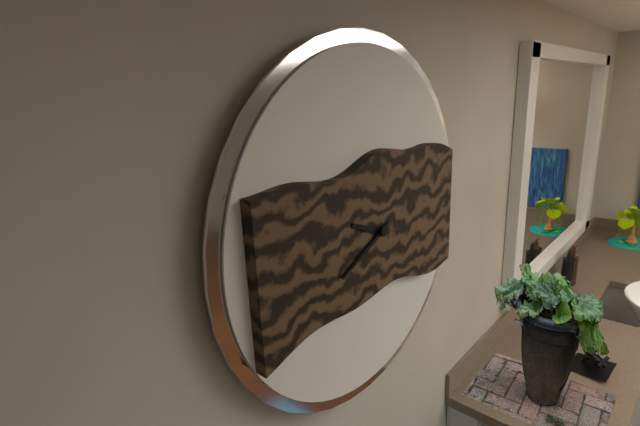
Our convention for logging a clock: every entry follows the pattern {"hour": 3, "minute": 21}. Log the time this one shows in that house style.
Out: {"hour": 9, "minute": 41}
